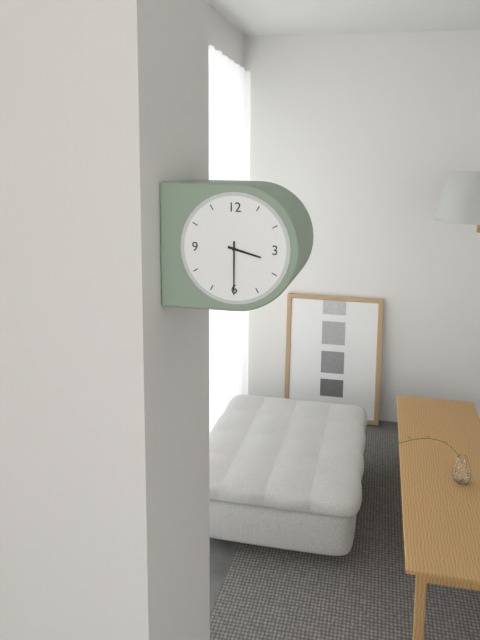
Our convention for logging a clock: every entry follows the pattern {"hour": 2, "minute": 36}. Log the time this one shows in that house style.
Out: {"hour": 3, "minute": 30}
